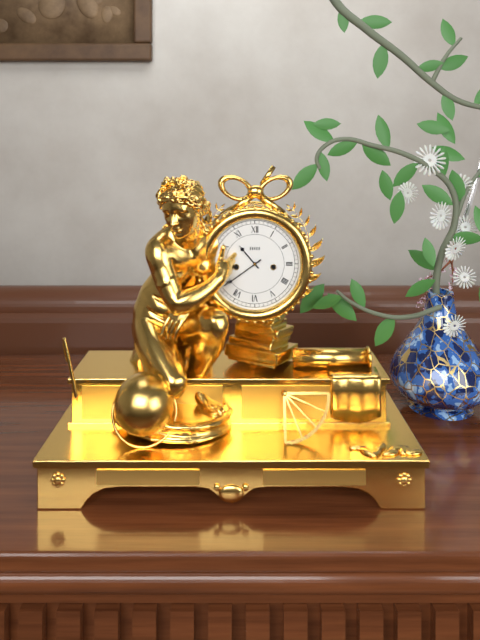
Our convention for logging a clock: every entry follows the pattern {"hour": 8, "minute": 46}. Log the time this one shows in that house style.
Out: {"hour": 10, "minute": 39}
